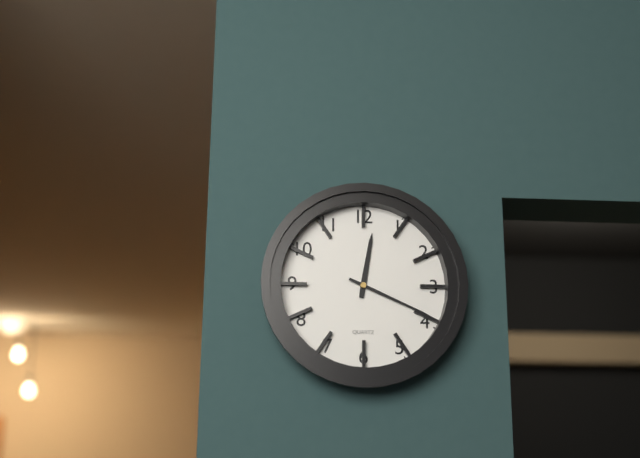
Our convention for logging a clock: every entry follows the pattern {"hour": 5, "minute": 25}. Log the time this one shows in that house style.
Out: {"hour": 12, "minute": 19}
